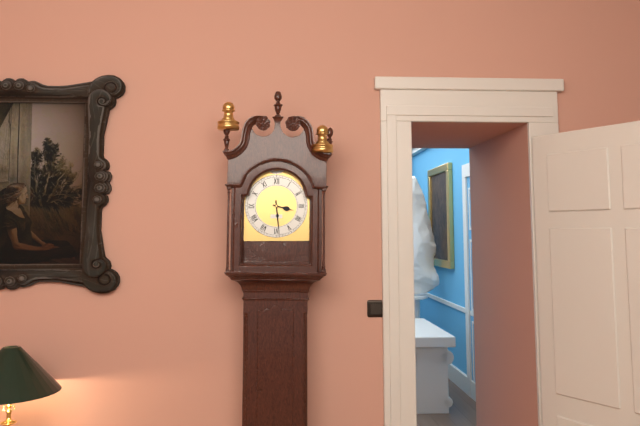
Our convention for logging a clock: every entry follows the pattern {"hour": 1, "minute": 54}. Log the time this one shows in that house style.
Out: {"hour": 3, "minute": 29}
